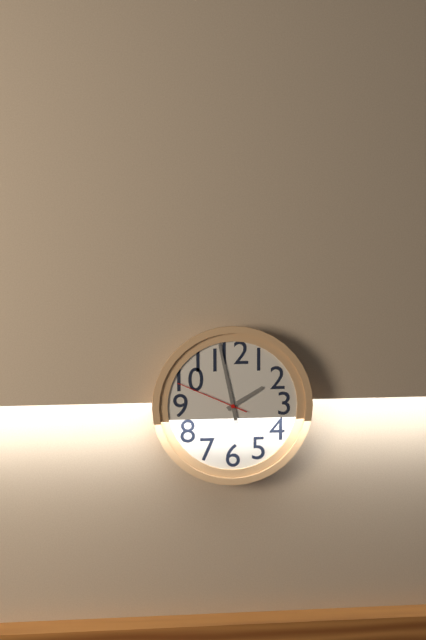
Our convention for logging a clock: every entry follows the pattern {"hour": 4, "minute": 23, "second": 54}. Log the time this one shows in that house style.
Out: {"hour": 1, "minute": 58, "second": 49}
